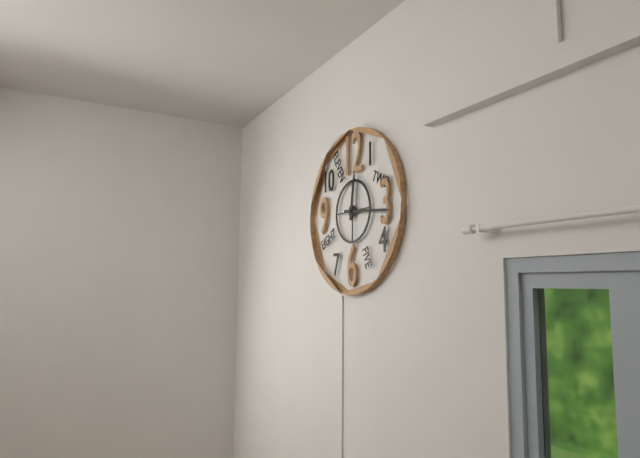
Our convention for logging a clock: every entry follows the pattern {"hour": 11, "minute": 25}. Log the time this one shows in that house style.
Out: {"hour": 12, "minute": 16}
